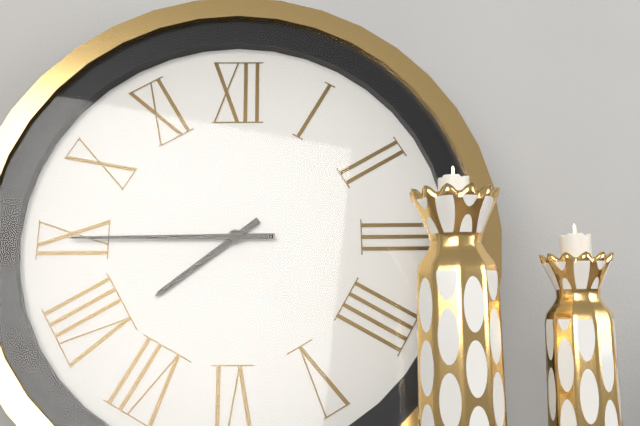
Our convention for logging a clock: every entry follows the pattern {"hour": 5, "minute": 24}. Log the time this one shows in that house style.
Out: {"hour": 7, "minute": 45}
